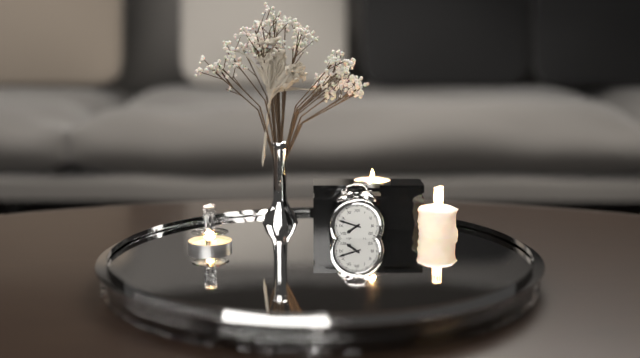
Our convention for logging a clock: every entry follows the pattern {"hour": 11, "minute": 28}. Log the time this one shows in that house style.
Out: {"hour": 7, "minute": 48}
